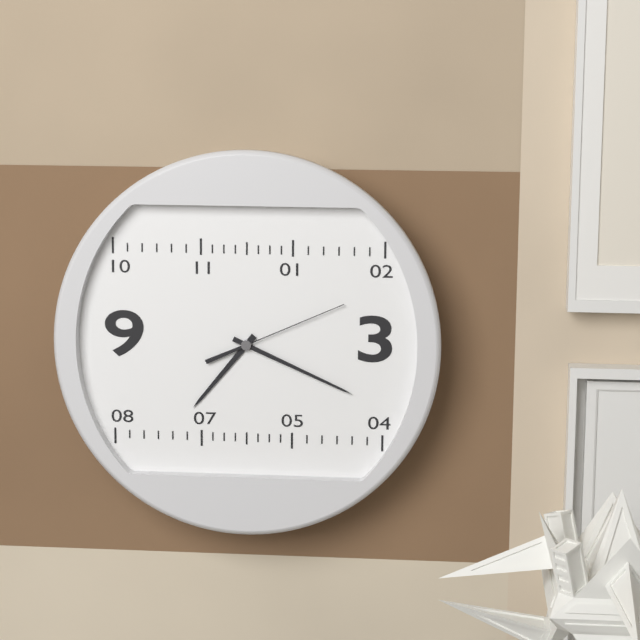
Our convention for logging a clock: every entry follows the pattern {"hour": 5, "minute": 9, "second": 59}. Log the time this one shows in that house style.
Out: {"hour": 7, "minute": 19, "second": 11}
